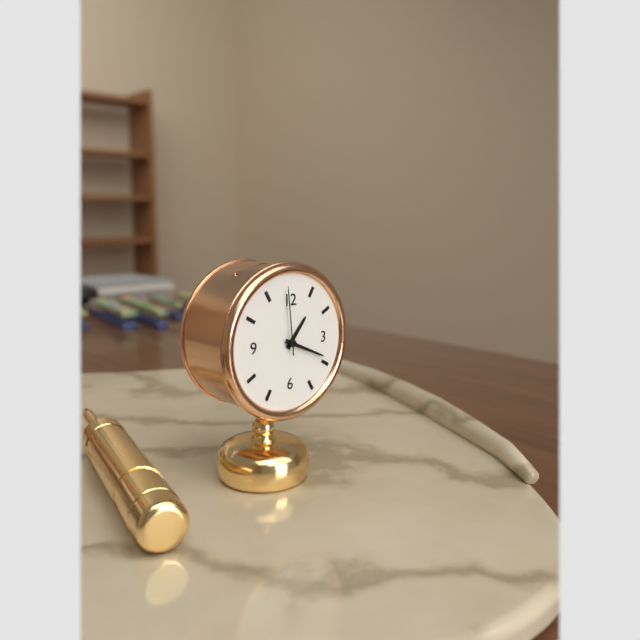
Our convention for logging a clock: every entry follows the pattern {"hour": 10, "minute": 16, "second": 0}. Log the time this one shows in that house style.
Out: {"hour": 1, "minute": 19, "second": 59}
